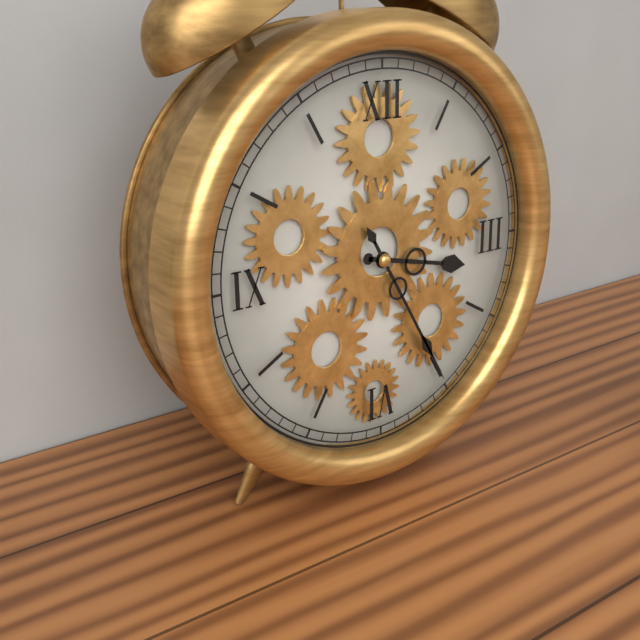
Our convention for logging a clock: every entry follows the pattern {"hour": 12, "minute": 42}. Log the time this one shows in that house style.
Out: {"hour": 3, "minute": 25}
